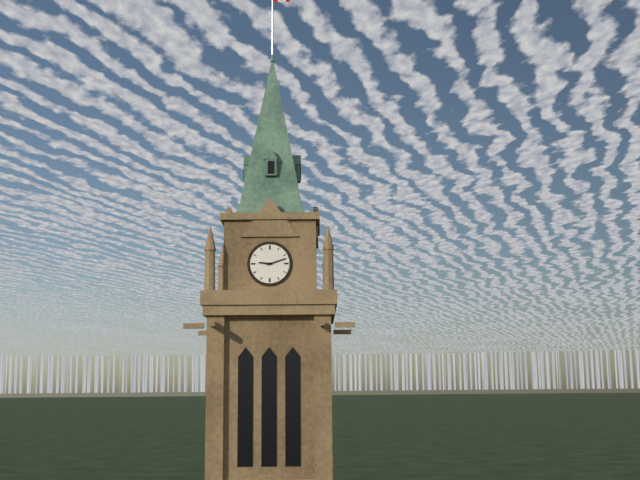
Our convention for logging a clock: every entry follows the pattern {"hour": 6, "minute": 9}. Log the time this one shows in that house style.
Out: {"hour": 9, "minute": 12}
